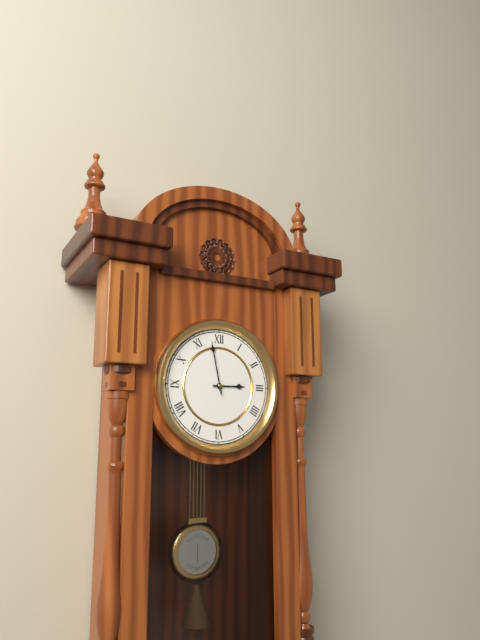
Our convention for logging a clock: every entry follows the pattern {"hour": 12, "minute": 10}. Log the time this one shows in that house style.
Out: {"hour": 2, "minute": 58}
